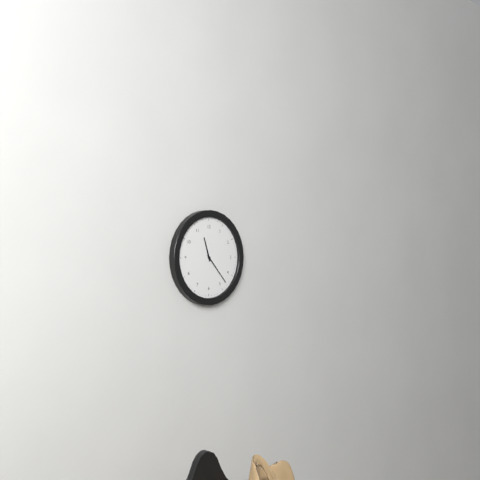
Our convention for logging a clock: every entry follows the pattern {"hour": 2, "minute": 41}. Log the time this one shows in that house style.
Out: {"hour": 11, "minute": 23}
